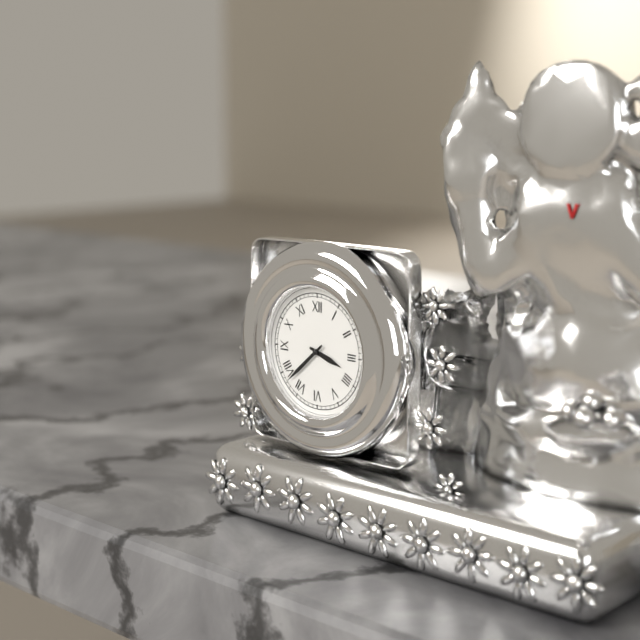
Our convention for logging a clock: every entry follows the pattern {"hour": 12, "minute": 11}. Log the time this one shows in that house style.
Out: {"hour": 3, "minute": 38}
